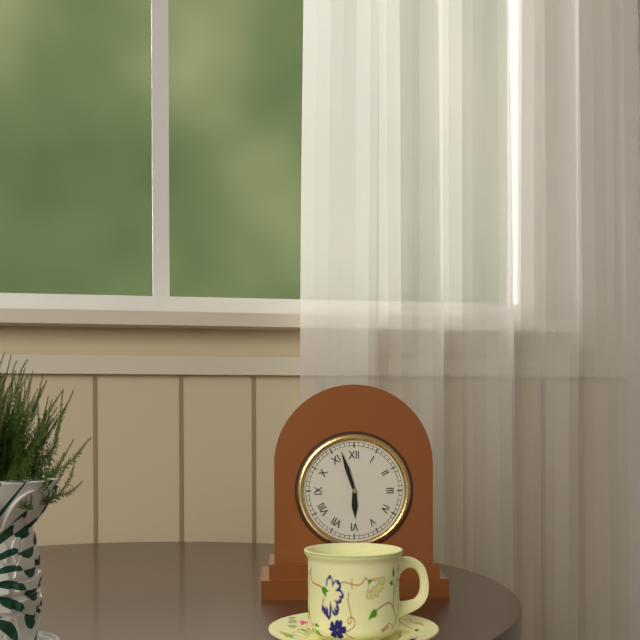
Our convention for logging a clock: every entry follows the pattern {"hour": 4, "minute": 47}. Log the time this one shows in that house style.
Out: {"hour": 5, "minute": 57}
